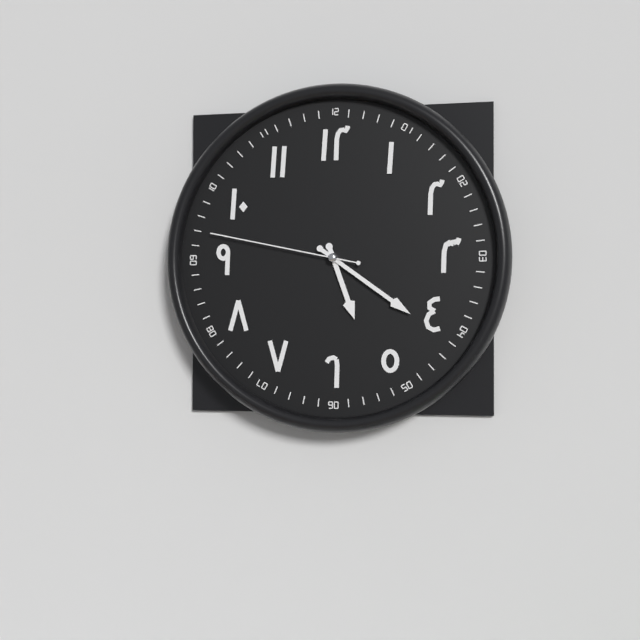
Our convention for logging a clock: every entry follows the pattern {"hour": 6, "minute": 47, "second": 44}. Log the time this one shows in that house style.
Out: {"hour": 5, "minute": 21, "second": 47}
